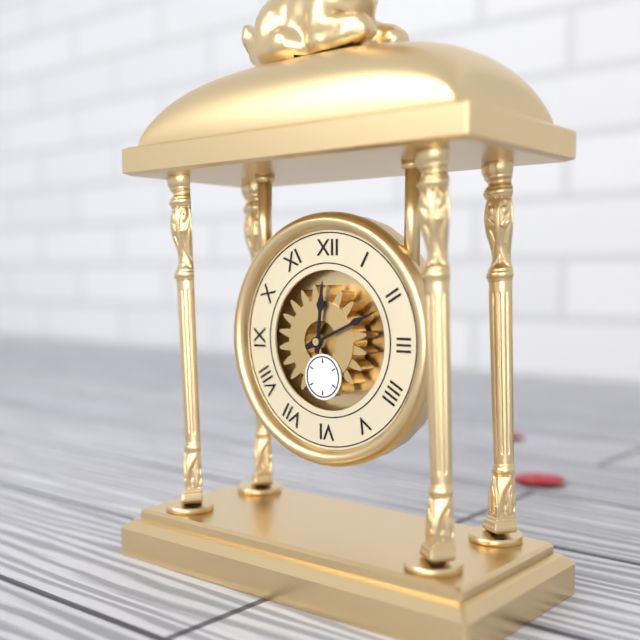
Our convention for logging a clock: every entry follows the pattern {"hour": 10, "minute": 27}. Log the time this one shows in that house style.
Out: {"hour": 12, "minute": 11}
